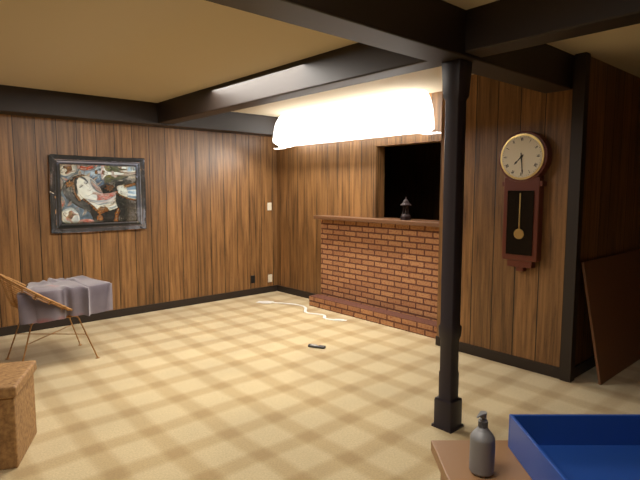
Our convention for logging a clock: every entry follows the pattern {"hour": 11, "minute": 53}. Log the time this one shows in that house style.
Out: {"hour": 7, "minute": 29}
